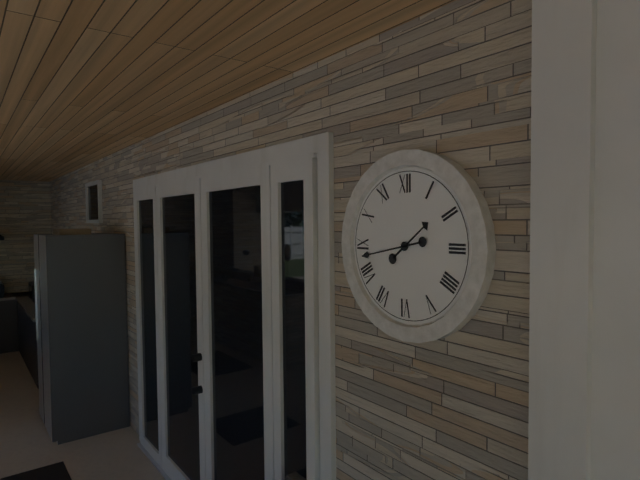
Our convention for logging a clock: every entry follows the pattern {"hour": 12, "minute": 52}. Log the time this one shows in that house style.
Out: {"hour": 1, "minute": 43}
